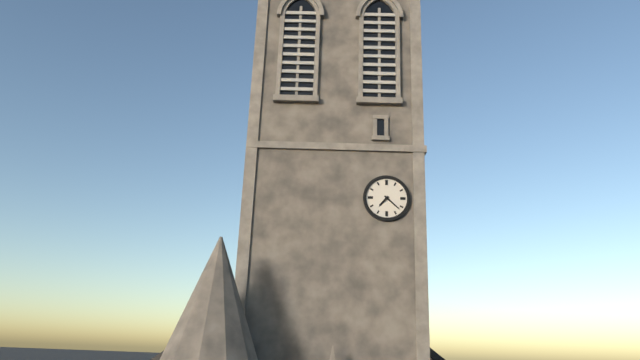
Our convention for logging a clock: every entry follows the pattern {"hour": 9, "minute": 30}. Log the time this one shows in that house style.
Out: {"hour": 7, "minute": 22}
